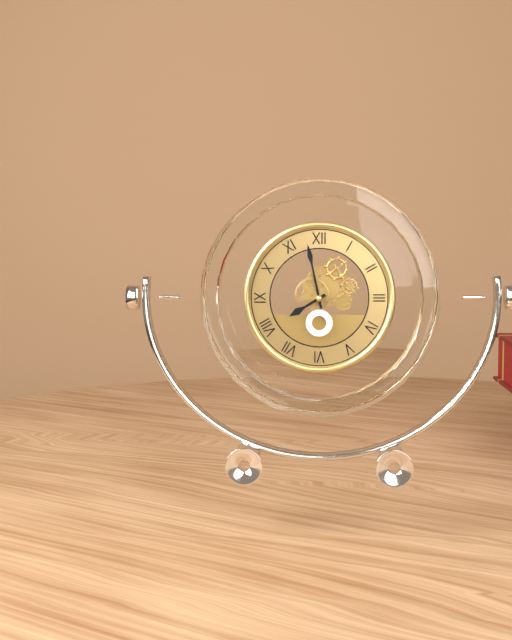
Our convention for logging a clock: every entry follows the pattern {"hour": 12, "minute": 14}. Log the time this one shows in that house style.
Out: {"hour": 7, "minute": 58}
